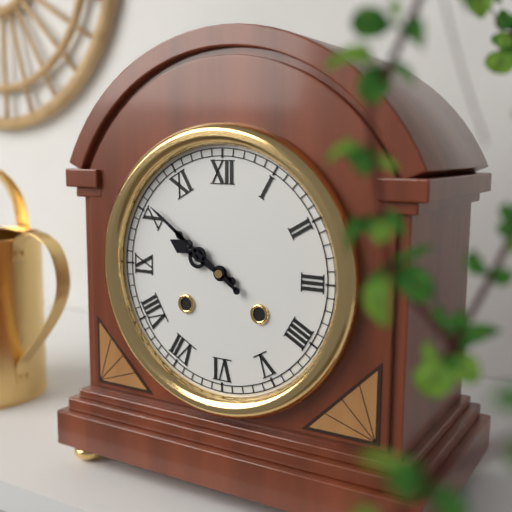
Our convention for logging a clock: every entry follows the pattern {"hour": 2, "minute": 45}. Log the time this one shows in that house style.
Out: {"hour": 9, "minute": 51}
